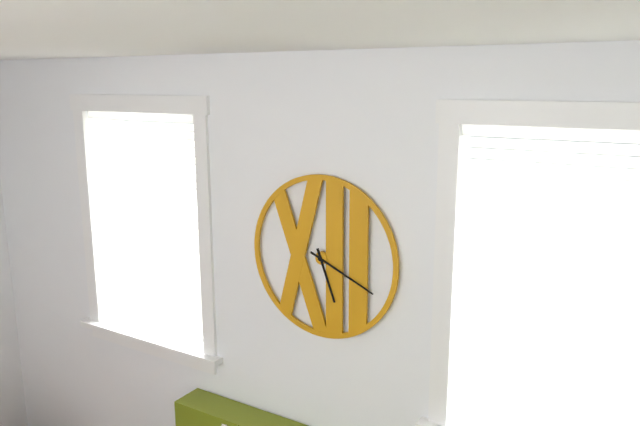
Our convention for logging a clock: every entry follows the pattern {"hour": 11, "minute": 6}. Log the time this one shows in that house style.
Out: {"hour": 5, "minute": 19}
